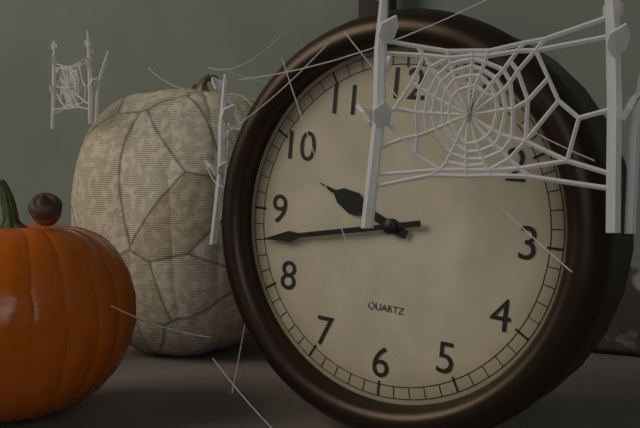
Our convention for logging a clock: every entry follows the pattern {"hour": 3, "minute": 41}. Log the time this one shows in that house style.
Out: {"hour": 9, "minute": 43}
